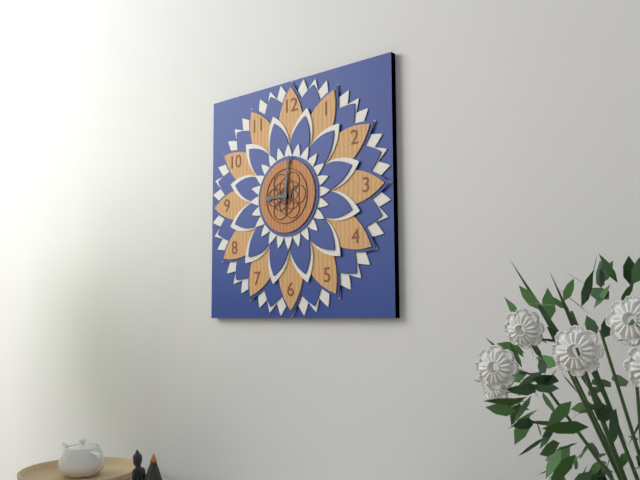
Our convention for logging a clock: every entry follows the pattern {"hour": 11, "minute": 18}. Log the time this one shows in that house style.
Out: {"hour": 9, "minute": 1}
